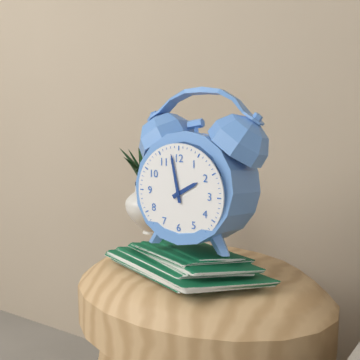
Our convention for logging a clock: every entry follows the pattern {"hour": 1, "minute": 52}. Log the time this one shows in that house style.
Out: {"hour": 1, "minute": 58}
